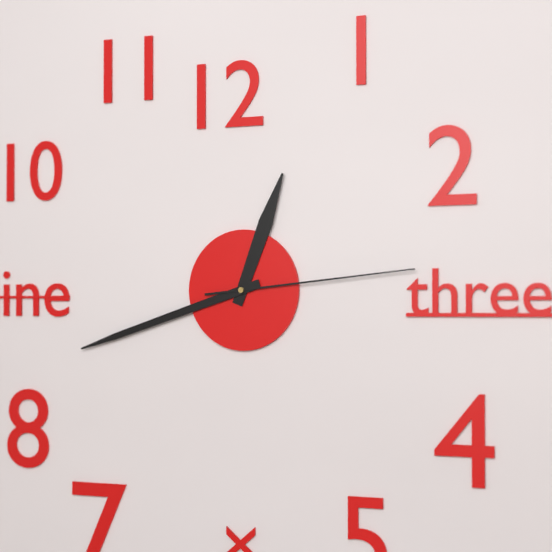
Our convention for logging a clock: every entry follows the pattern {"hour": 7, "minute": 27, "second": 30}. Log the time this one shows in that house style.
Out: {"hour": 12, "minute": 42, "second": 14}
